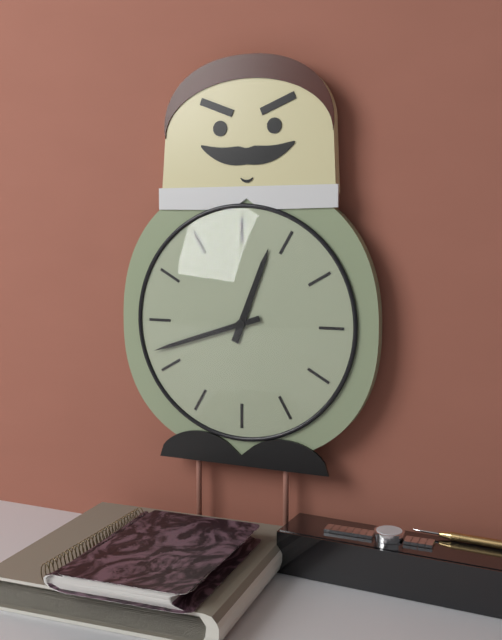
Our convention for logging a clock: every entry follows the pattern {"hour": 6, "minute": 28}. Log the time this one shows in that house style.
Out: {"hour": 12, "minute": 42}
